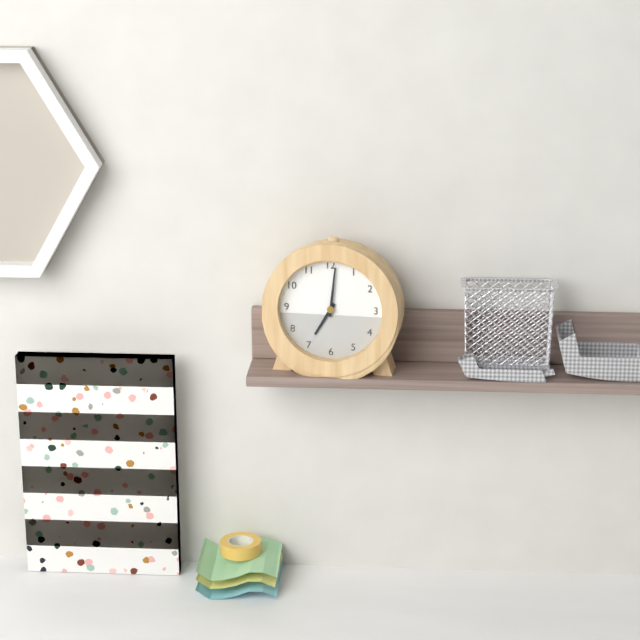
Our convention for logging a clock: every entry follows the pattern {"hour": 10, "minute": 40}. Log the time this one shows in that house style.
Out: {"hour": 7, "minute": 1}
